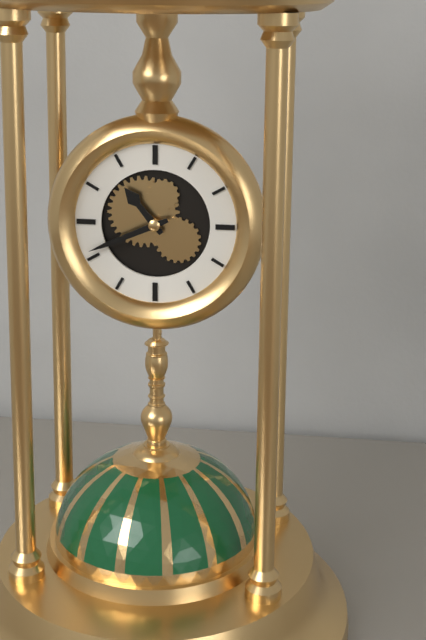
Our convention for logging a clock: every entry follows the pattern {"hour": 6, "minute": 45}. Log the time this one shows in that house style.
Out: {"hour": 10, "minute": 41}
